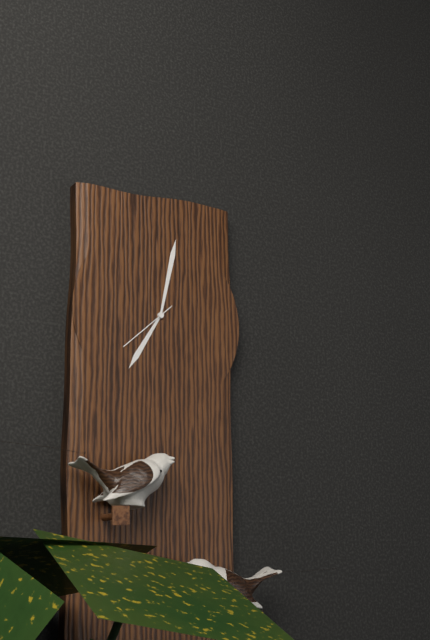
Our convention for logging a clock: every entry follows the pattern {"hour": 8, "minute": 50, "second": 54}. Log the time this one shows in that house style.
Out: {"hour": 7, "minute": 2, "second": 38}
